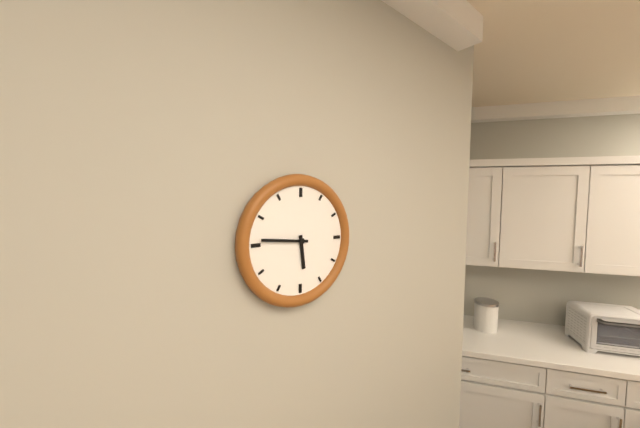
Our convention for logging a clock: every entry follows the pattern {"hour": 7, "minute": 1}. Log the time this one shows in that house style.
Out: {"hour": 5, "minute": 46}
